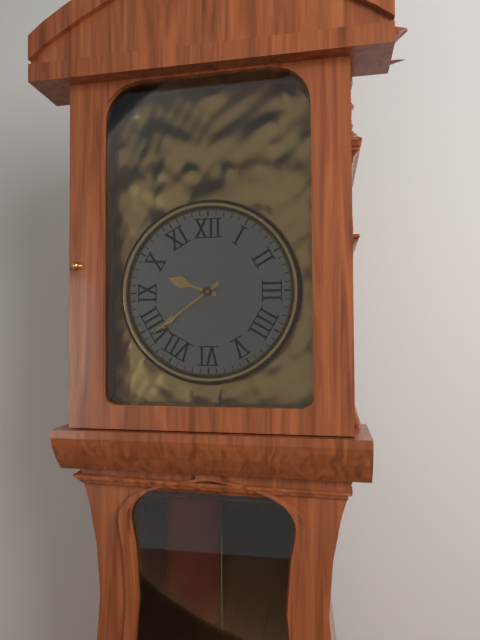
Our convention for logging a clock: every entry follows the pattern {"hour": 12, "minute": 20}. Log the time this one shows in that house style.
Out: {"hour": 9, "minute": 39}
